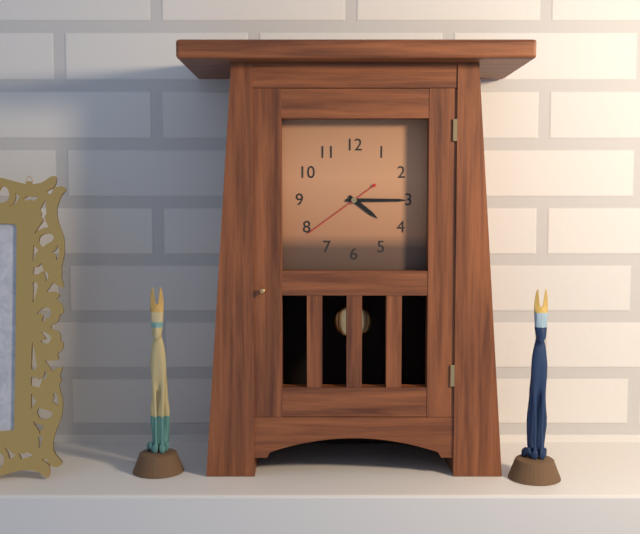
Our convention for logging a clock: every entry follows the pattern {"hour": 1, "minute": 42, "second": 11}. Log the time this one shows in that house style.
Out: {"hour": 4, "minute": 15, "second": 39}
